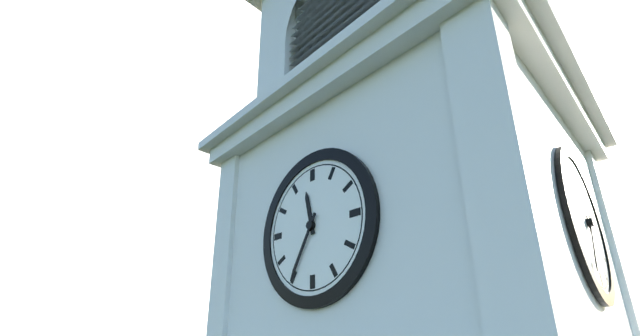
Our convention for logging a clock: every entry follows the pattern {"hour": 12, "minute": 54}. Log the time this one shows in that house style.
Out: {"hour": 11, "minute": 35}
